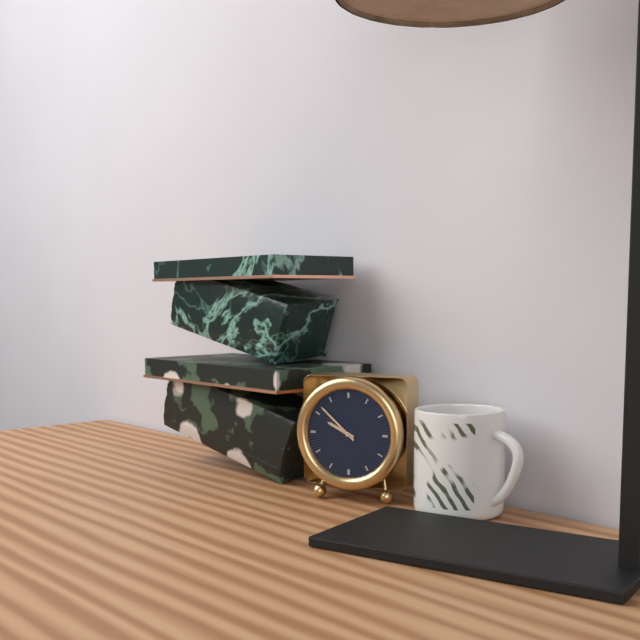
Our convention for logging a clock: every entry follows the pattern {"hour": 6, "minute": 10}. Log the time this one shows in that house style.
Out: {"hour": 9, "minute": 52}
